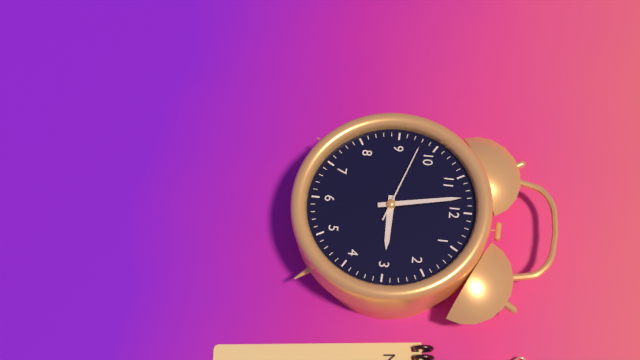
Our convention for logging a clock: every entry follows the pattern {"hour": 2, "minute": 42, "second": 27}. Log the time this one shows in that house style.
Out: {"hour": 2, "minute": 58, "second": 48}
